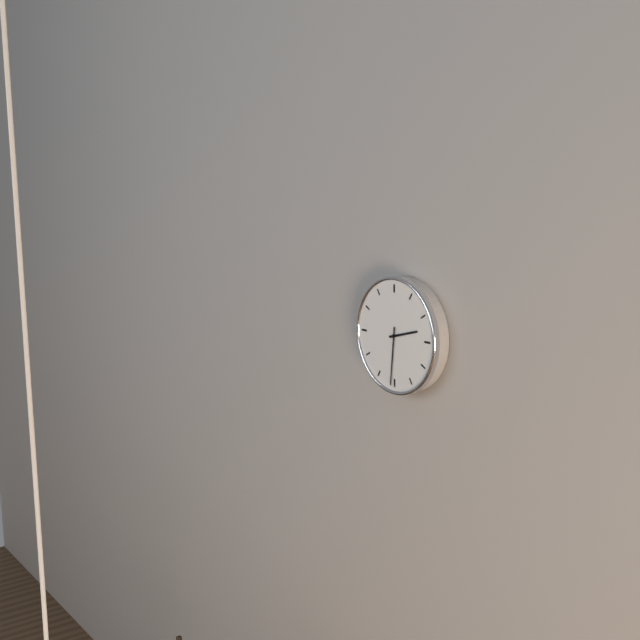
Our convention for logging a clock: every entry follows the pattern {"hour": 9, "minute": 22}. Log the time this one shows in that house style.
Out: {"hour": 2, "minute": 31}
